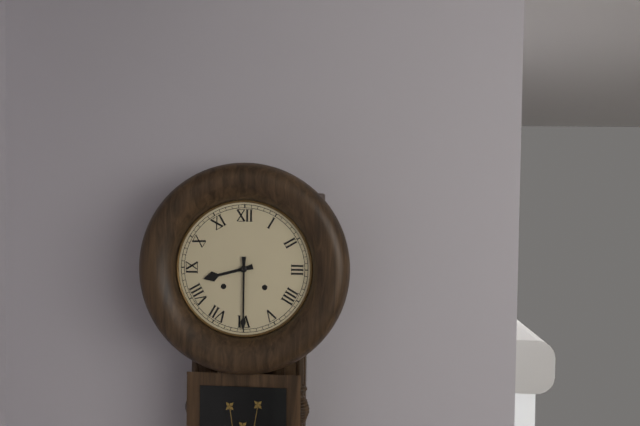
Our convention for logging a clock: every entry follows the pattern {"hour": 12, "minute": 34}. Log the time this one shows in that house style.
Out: {"hour": 8, "minute": 30}
